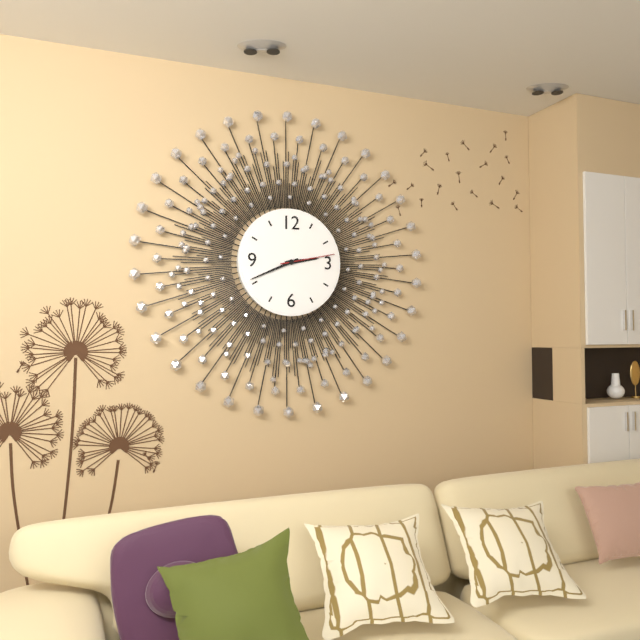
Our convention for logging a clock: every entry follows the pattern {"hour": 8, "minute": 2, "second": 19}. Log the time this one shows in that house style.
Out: {"hour": 2, "minute": 41, "second": 13}
